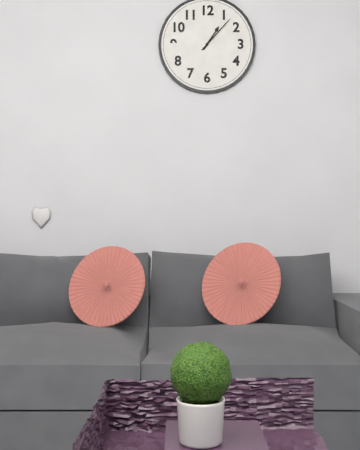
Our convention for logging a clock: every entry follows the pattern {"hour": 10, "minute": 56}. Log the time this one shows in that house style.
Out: {"hour": 1, "minute": 7}
